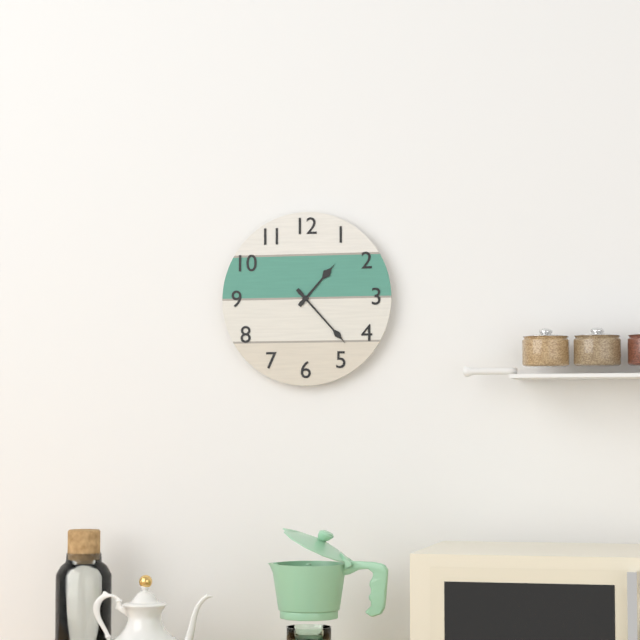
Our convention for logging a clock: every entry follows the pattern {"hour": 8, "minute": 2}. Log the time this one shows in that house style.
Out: {"hour": 1, "minute": 23}
